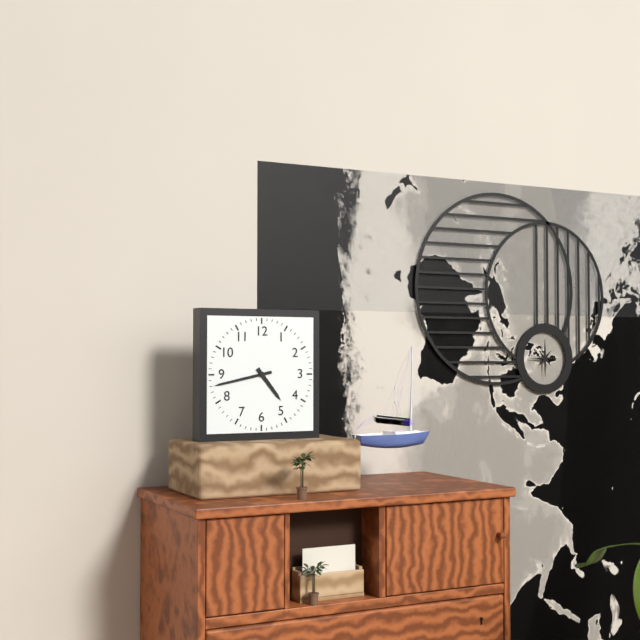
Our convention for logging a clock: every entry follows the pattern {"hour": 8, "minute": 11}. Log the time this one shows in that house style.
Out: {"hour": 4, "minute": 43}
